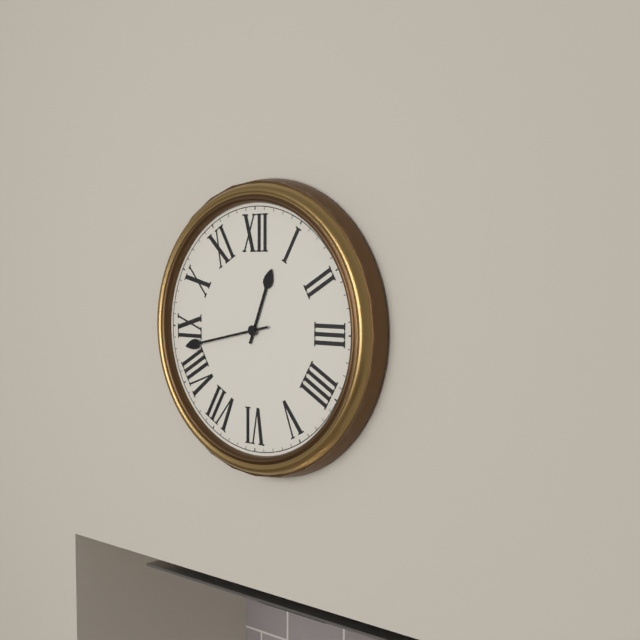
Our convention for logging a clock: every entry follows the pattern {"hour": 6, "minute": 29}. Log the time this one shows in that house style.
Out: {"hour": 12, "minute": 43}
